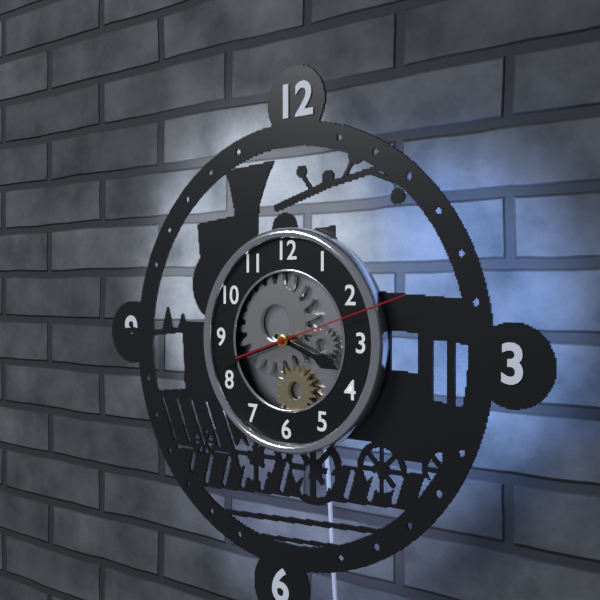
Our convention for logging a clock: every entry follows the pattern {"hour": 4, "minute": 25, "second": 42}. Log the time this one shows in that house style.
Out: {"hour": 3, "minute": 42, "second": 12}
